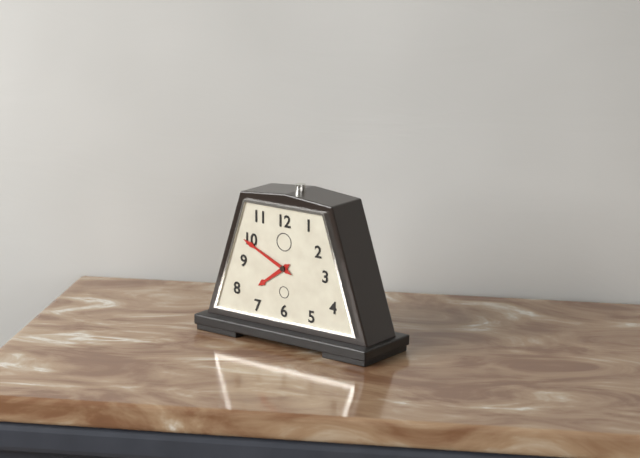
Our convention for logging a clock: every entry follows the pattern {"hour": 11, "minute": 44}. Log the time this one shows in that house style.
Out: {"hour": 7, "minute": 49}
